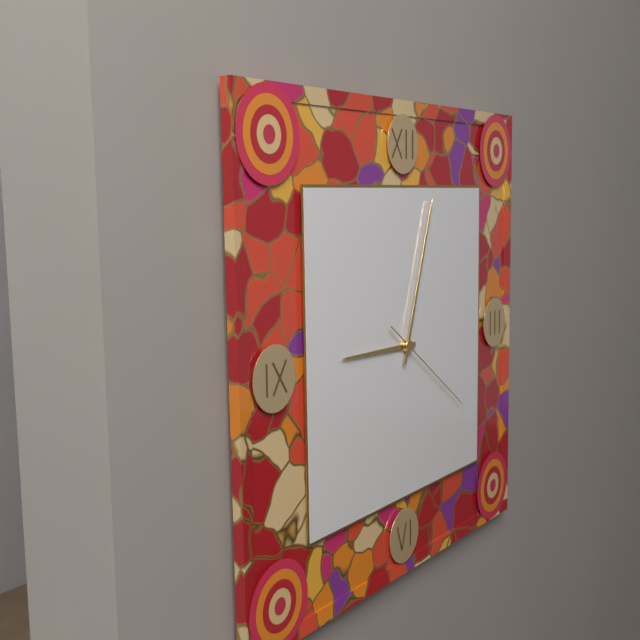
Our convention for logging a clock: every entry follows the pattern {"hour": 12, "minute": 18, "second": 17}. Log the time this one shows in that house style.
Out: {"hour": 9, "minute": 3, "second": 21}
